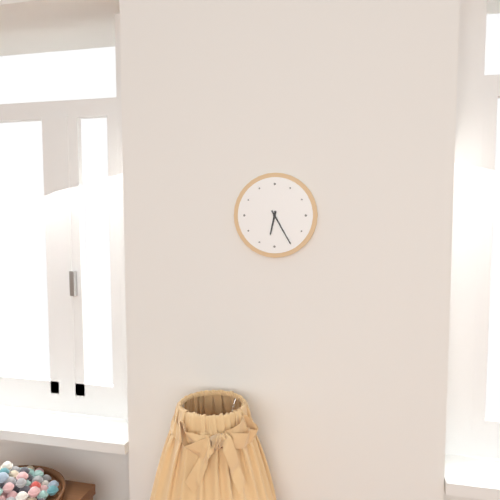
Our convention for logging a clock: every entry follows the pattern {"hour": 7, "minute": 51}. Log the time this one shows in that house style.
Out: {"hour": 6, "minute": 25}
